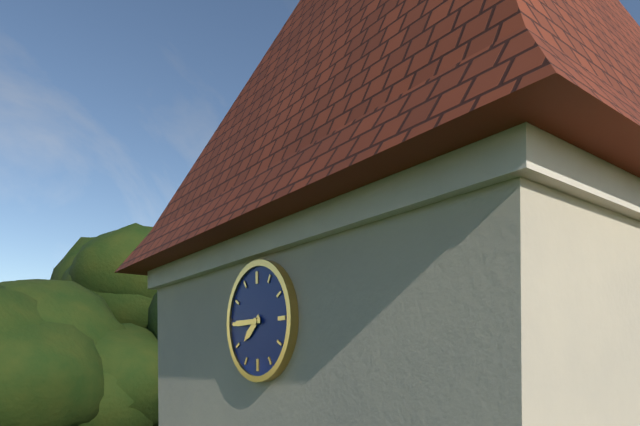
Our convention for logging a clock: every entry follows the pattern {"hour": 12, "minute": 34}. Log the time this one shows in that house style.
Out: {"hour": 7, "minute": 45}
